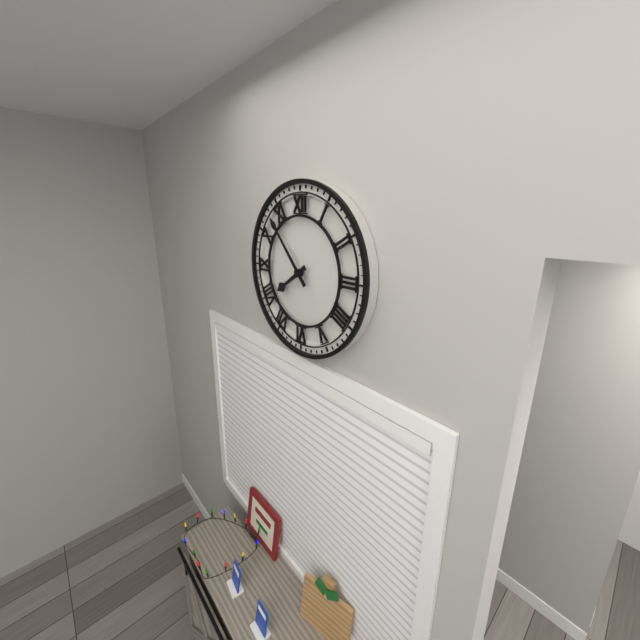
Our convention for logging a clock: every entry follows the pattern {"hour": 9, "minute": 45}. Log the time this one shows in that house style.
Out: {"hour": 7, "minute": 53}
